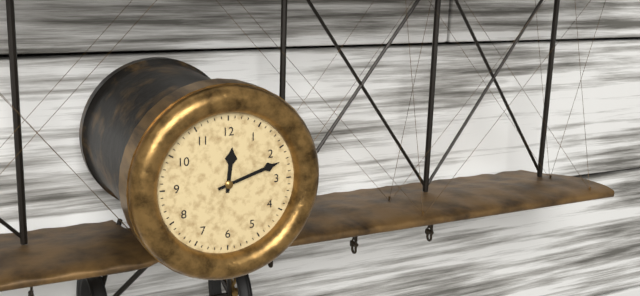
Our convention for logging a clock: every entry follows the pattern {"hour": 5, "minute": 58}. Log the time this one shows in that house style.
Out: {"hour": 12, "minute": 12}
